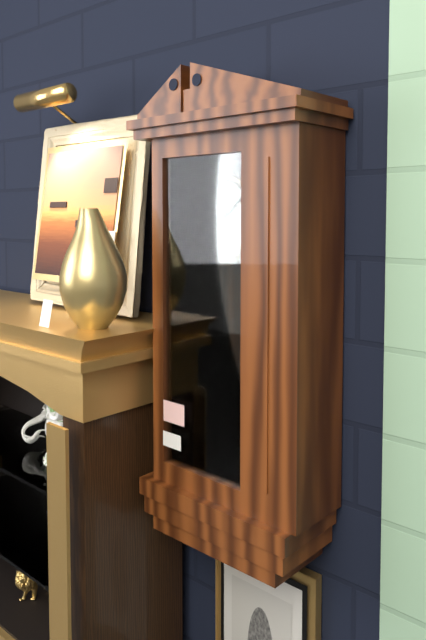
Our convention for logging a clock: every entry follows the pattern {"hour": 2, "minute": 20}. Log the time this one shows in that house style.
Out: {"hour": 12, "minute": 8}
